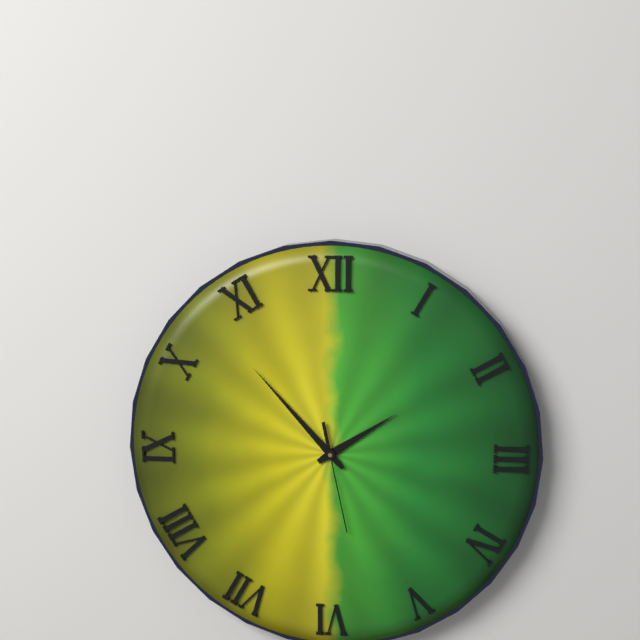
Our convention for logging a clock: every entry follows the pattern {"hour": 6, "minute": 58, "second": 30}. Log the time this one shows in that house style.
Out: {"hour": 1, "minute": 53, "second": 28}
